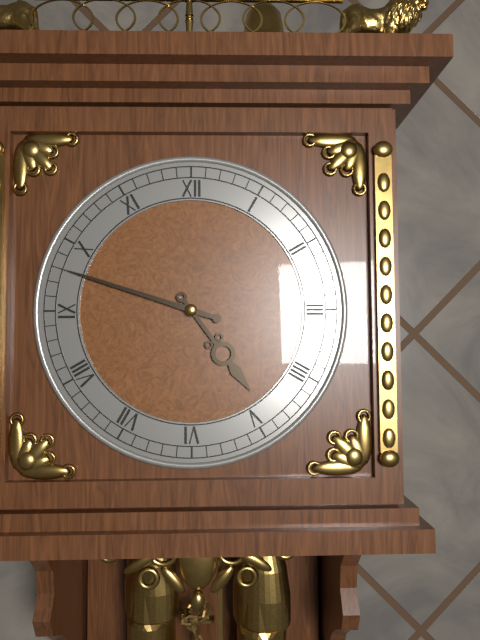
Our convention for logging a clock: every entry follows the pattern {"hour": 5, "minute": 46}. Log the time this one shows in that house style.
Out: {"hour": 4, "minute": 48}
